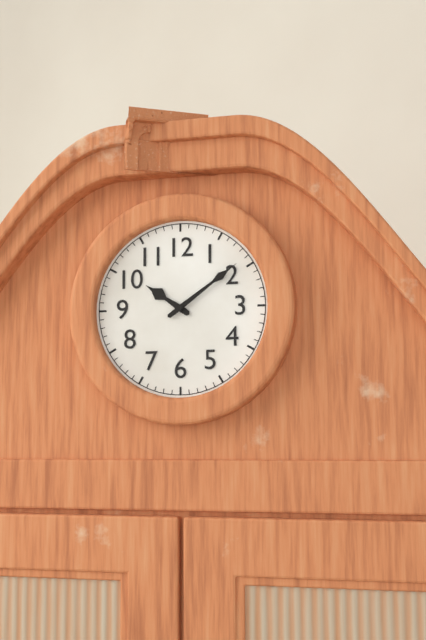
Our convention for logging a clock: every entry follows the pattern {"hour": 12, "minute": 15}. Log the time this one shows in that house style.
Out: {"hour": 10, "minute": 9}
